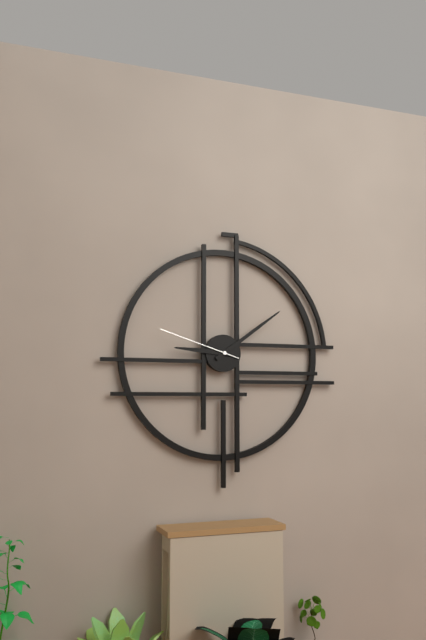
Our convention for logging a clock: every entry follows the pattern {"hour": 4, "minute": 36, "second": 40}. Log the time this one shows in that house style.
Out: {"hour": 9, "minute": 9, "second": 48}
